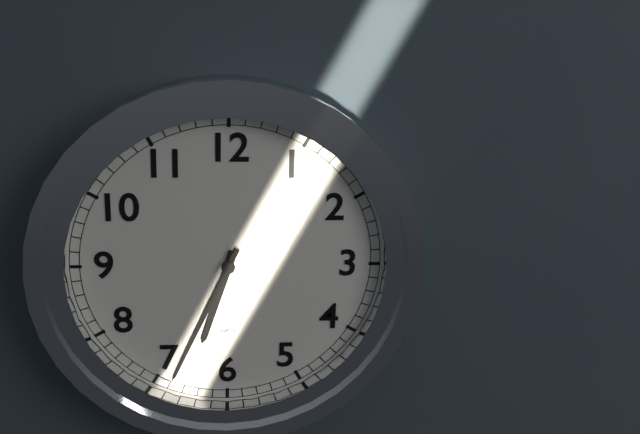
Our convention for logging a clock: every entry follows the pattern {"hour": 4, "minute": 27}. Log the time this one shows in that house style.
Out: {"hour": 6, "minute": 34}
